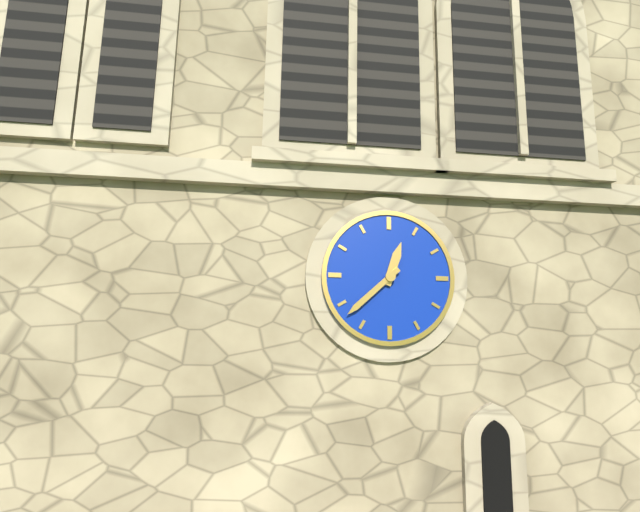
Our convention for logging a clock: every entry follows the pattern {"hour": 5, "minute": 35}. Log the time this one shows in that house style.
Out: {"hour": 12, "minute": 38}
